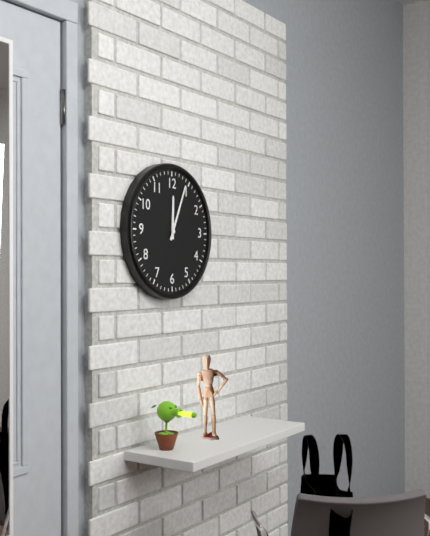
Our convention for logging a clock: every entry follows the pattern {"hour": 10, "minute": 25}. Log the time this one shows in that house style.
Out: {"hour": 12, "minute": 4}
